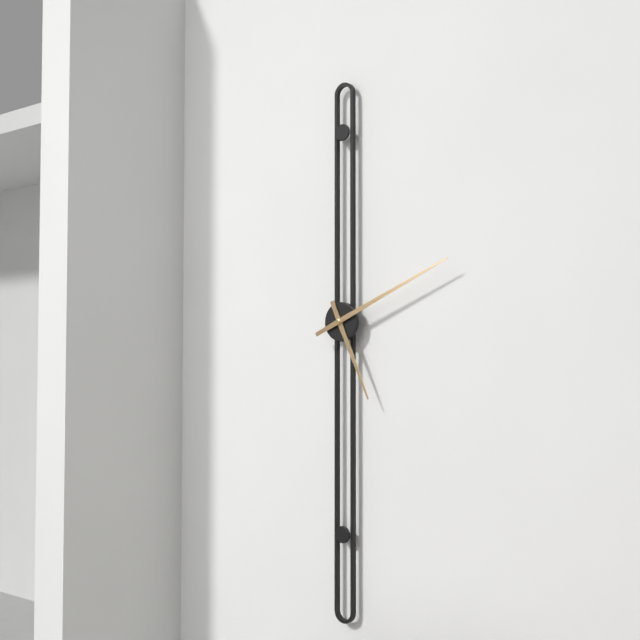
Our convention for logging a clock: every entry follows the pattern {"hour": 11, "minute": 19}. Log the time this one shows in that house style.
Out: {"hour": 5, "minute": 11}
